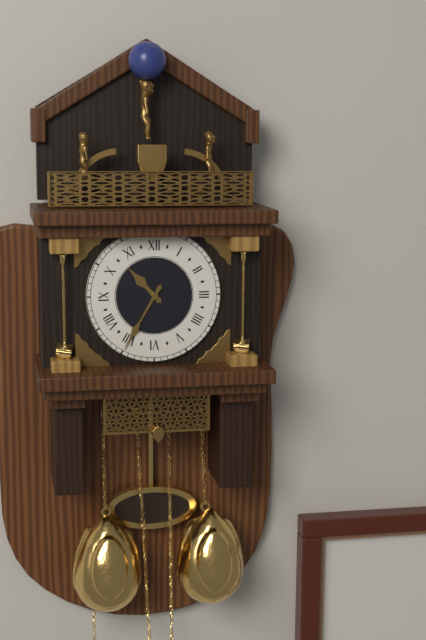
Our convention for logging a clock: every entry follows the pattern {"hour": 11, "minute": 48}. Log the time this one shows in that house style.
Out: {"hour": 10, "minute": 35}
